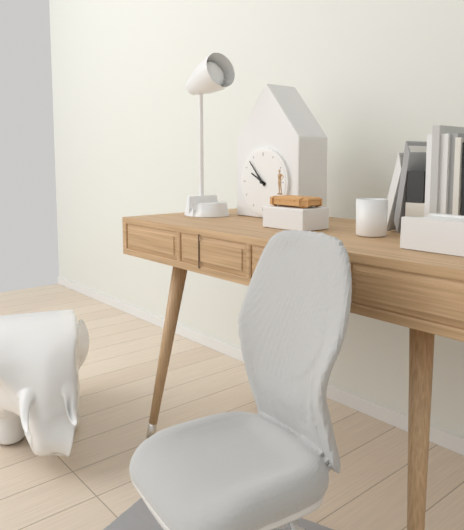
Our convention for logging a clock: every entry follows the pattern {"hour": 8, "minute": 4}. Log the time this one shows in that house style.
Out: {"hour": 9, "minute": 53}
